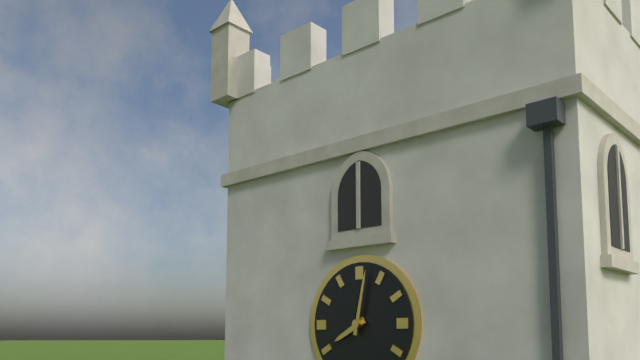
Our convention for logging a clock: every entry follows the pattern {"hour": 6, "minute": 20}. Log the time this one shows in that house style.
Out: {"hour": 8, "minute": 2}
